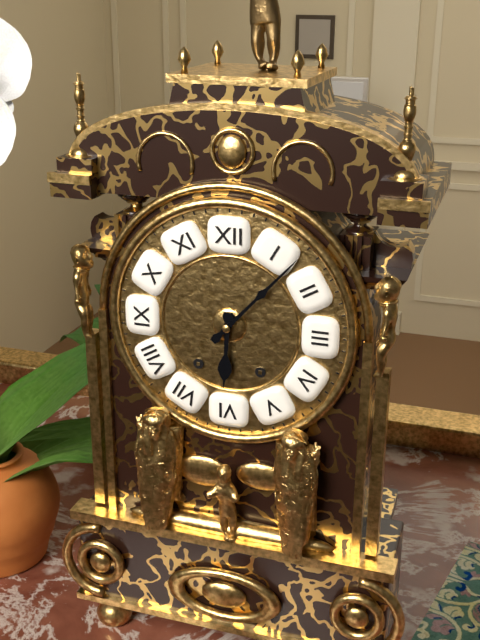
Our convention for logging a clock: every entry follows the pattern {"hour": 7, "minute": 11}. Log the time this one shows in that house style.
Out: {"hour": 6, "minute": 7}
